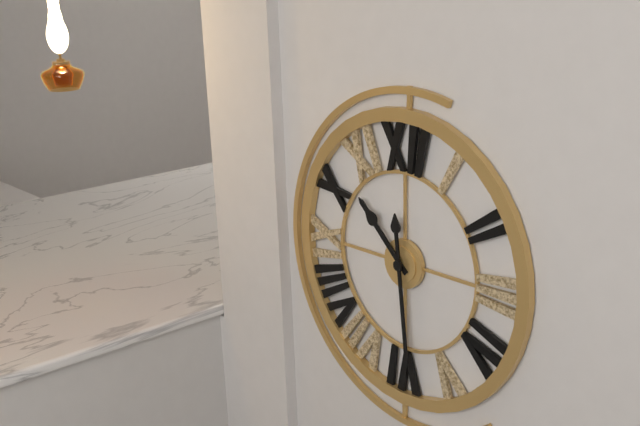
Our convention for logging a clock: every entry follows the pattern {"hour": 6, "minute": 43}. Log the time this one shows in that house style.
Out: {"hour": 10, "minute": 29}
